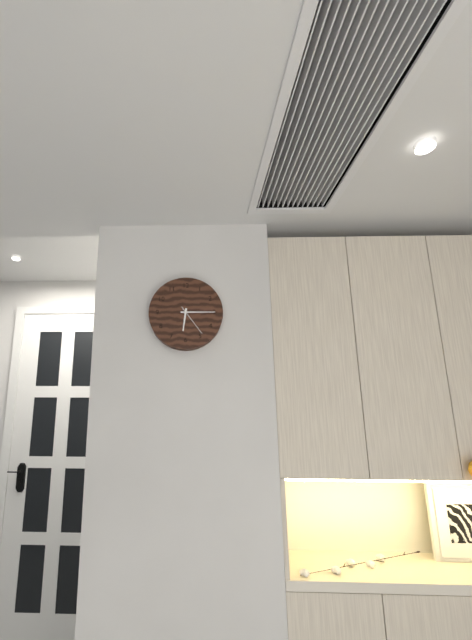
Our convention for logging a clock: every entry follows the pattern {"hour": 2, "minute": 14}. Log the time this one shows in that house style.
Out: {"hour": 6, "minute": 15}
